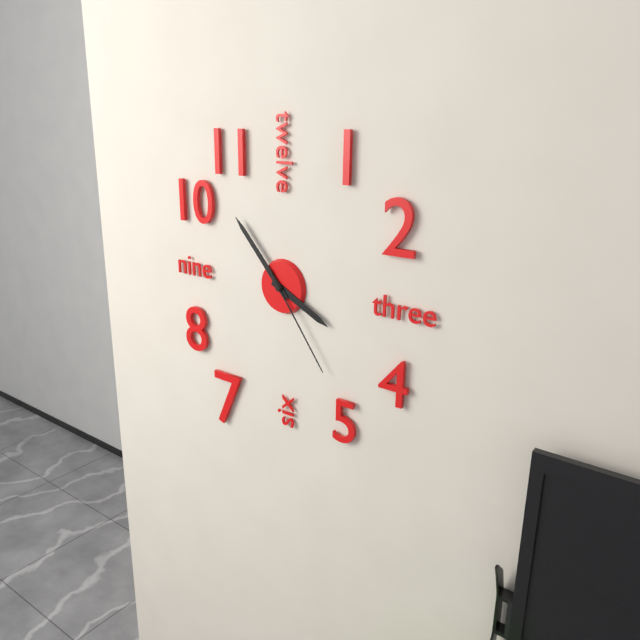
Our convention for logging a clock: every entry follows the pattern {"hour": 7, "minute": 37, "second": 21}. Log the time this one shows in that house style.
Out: {"hour": 3, "minute": 53, "second": 24}
